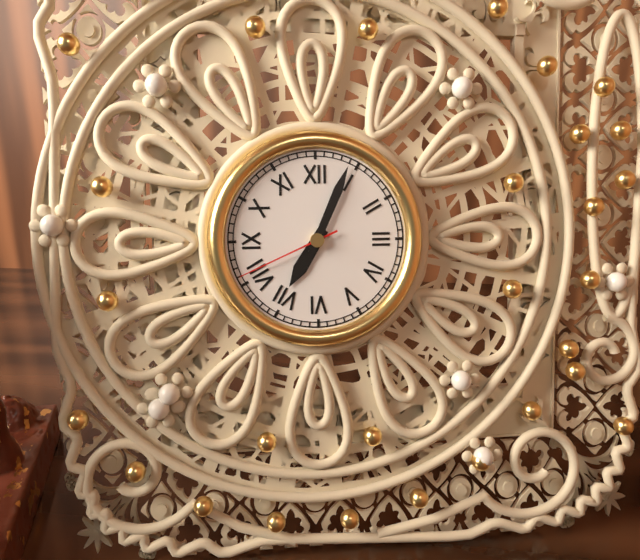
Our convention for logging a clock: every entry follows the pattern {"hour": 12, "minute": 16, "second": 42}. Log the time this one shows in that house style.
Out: {"hour": 7, "minute": 4, "second": 41}
